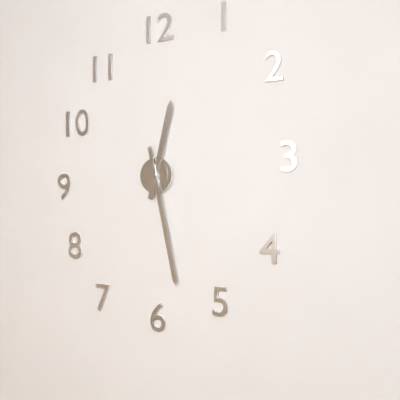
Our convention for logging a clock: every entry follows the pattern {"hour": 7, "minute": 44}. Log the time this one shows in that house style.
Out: {"hour": 12, "minute": 28}
